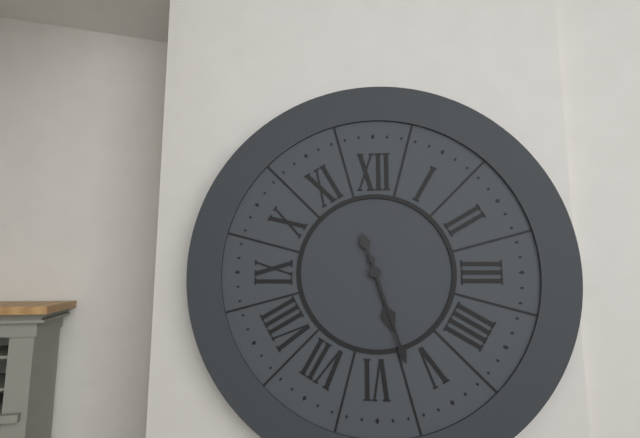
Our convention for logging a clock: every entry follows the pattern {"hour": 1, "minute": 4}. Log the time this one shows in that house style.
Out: {"hour": 5, "minute": 27}
